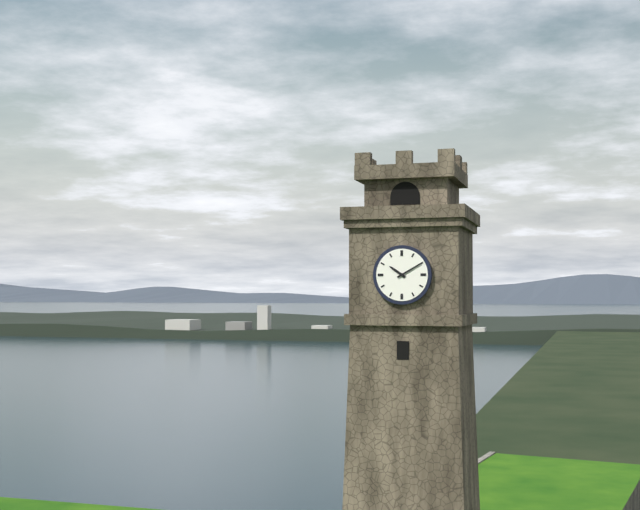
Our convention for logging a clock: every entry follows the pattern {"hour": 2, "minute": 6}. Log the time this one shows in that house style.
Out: {"hour": 10, "minute": 10}
